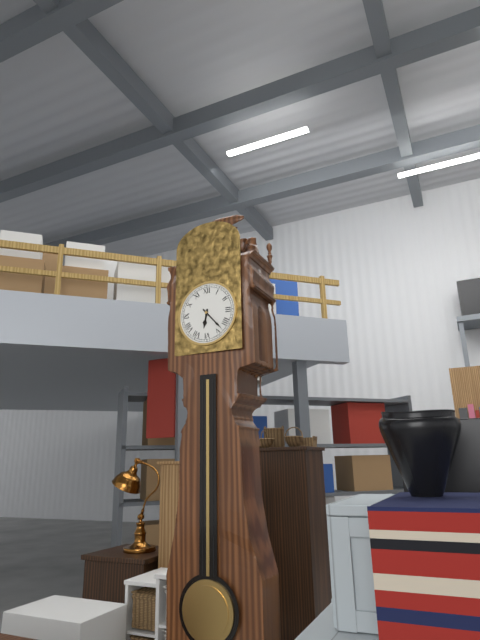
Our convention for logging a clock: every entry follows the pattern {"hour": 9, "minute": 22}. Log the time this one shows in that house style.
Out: {"hour": 6, "minute": 23}
